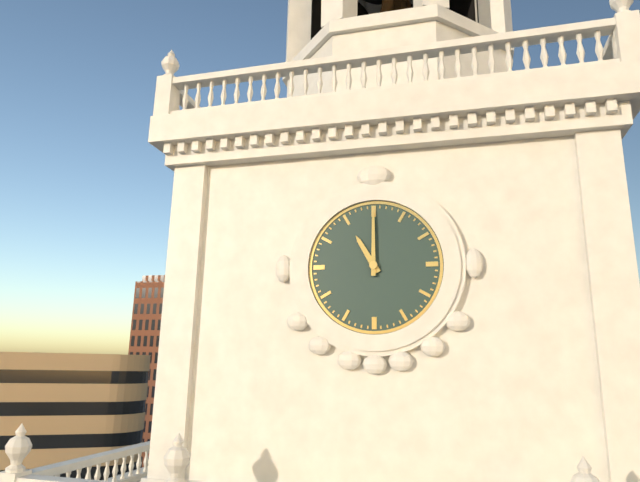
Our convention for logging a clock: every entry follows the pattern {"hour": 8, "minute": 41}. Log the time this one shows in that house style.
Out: {"hour": 11, "minute": 0}
